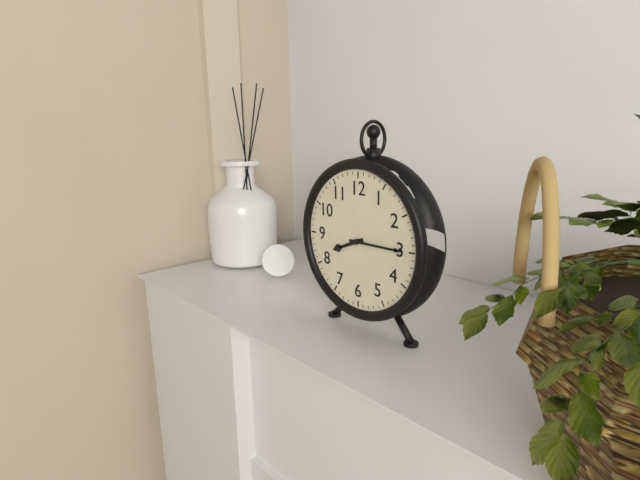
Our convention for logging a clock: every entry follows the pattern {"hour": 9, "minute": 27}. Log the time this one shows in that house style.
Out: {"hour": 8, "minute": 15}
